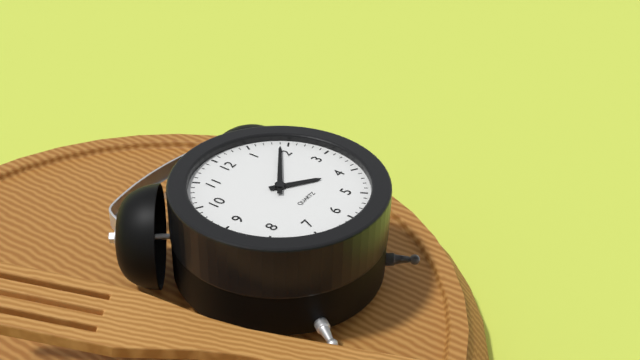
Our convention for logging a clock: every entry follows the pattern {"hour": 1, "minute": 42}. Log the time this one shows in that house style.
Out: {"hour": 4, "minute": 9}
